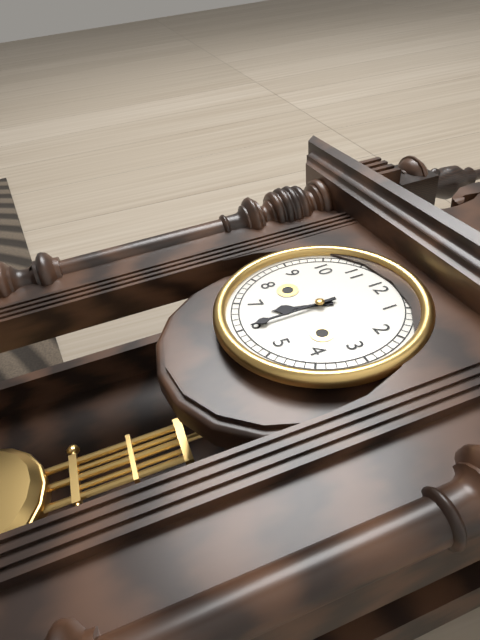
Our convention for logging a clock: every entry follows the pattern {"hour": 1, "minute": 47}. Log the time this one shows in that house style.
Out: {"hour": 6, "minute": 30}
